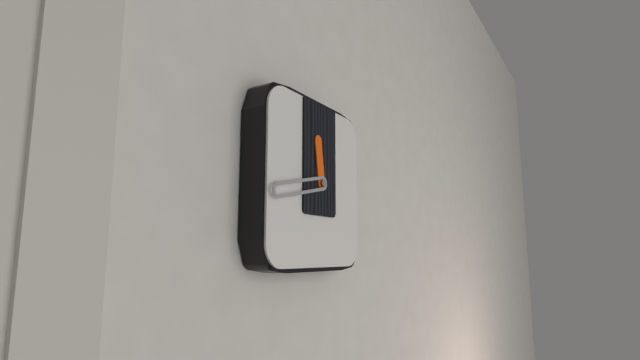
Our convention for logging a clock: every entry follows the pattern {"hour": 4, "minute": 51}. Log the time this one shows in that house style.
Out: {"hour": 11, "minute": 43}
